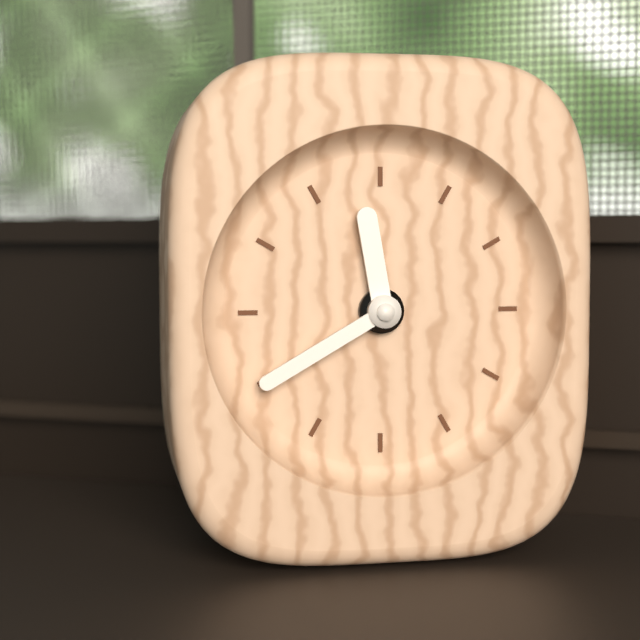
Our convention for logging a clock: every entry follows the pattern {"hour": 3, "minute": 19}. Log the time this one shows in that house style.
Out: {"hour": 11, "minute": 40}
